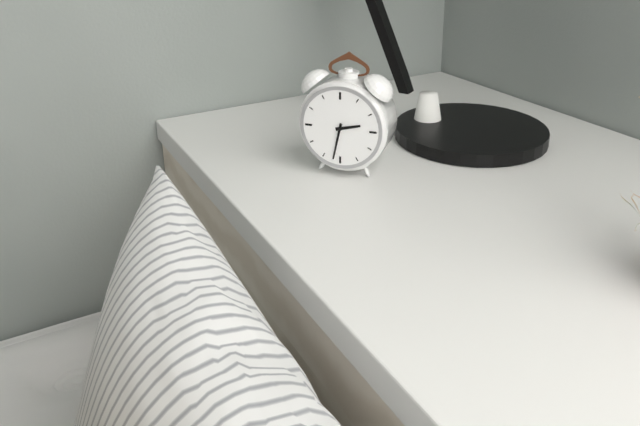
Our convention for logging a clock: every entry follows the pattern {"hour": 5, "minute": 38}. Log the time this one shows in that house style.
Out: {"hour": 2, "minute": 32}
